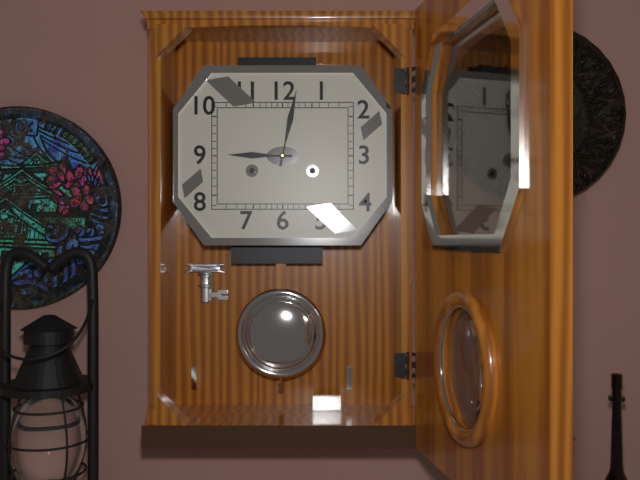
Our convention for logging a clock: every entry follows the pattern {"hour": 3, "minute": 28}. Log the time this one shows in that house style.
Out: {"hour": 9, "minute": 2}
